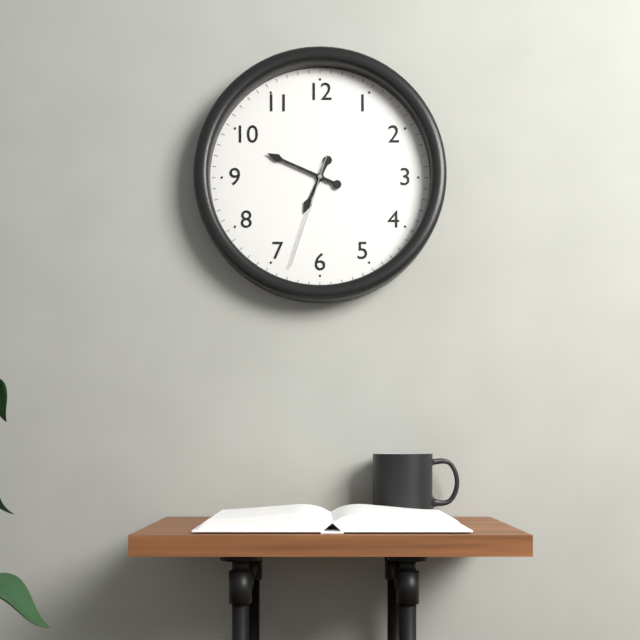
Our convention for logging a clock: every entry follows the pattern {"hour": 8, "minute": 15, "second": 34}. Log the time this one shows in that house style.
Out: {"hour": 6, "minute": 49, "second": 33}
